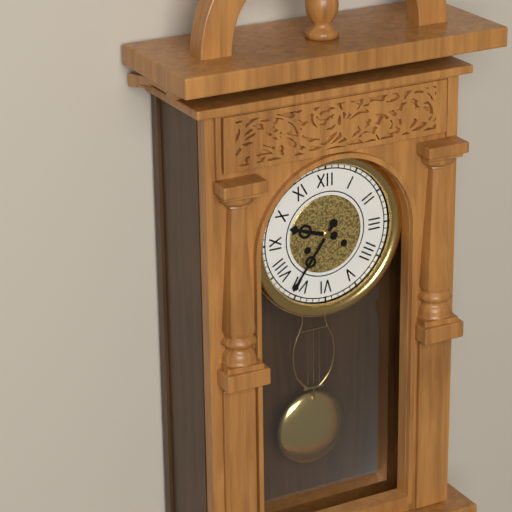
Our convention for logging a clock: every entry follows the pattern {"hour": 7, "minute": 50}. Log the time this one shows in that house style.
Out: {"hour": 9, "minute": 36}
